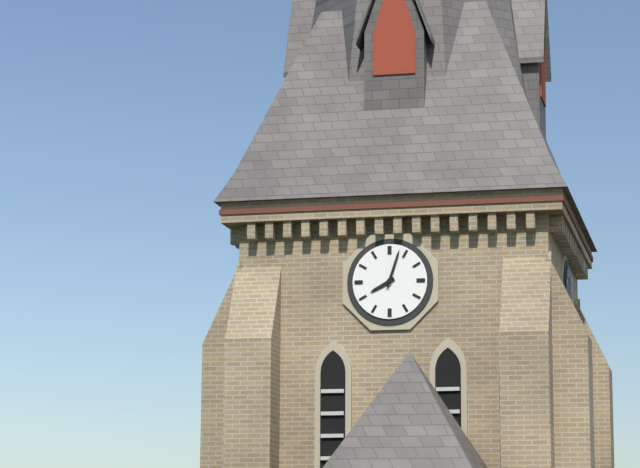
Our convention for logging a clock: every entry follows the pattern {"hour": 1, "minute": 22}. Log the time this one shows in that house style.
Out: {"hour": 8, "minute": 3}
